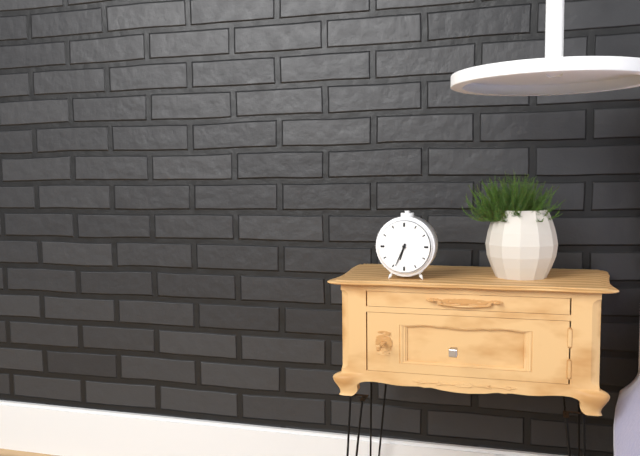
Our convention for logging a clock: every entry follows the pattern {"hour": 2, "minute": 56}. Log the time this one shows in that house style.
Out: {"hour": 6, "minute": 34}
